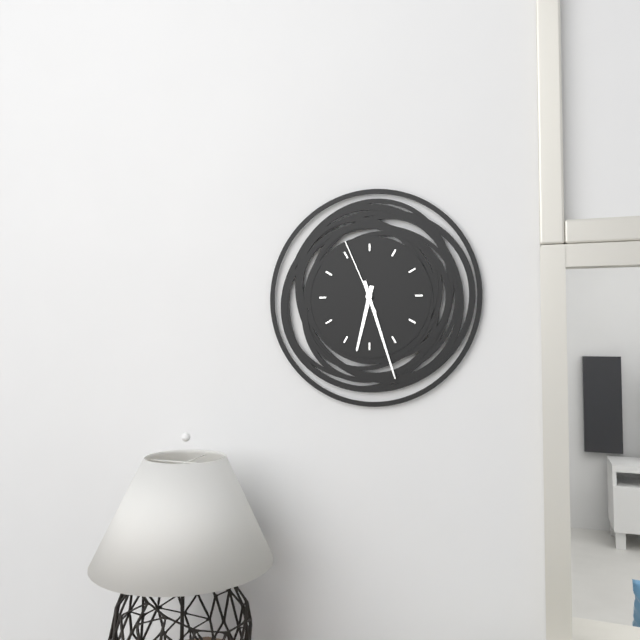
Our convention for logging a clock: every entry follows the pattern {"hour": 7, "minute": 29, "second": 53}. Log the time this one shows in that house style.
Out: {"hour": 6, "minute": 27, "second": 56}
